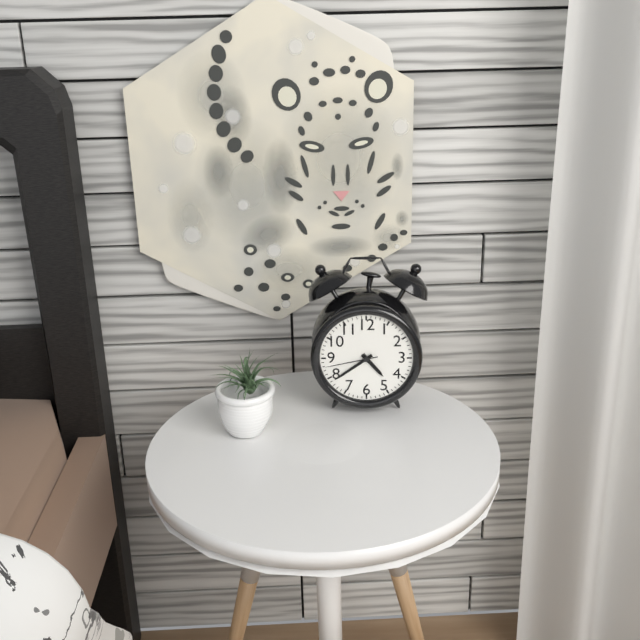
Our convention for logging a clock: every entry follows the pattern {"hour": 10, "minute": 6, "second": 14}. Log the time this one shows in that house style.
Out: {"hour": 4, "minute": 39, "second": 43}
